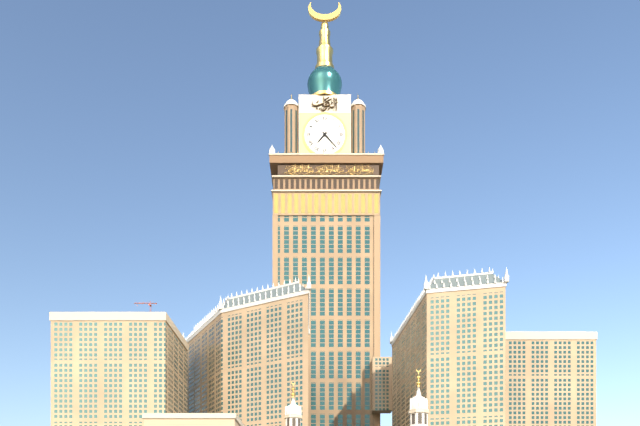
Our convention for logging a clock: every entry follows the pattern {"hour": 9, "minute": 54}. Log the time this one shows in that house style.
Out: {"hour": 7, "minute": 23}
